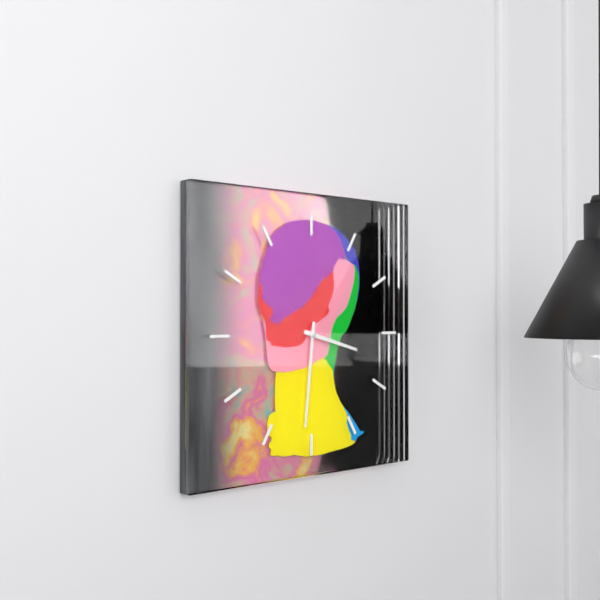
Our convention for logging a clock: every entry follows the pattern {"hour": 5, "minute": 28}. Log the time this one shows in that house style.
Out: {"hour": 3, "minute": 31}
